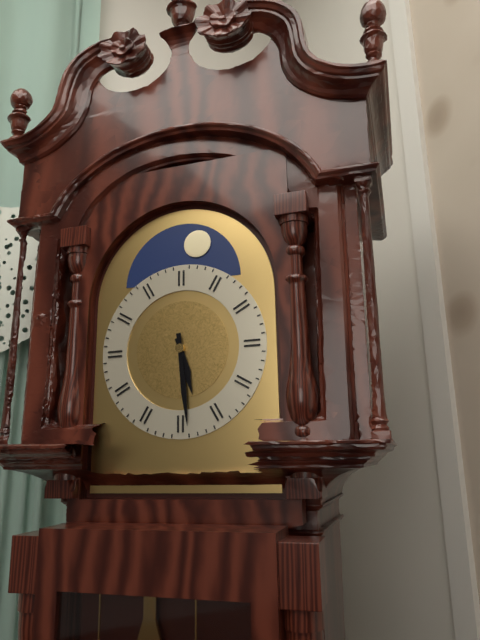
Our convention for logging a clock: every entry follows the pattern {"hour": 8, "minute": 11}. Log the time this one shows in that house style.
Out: {"hour": 5, "minute": 29}
